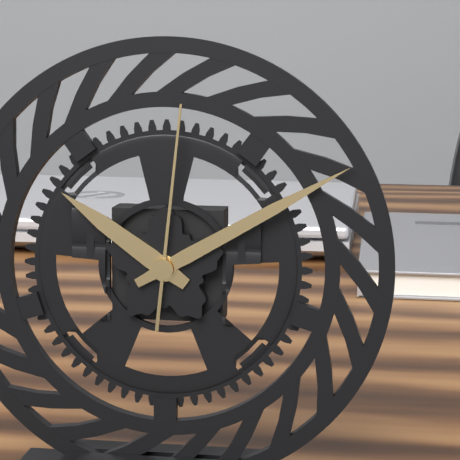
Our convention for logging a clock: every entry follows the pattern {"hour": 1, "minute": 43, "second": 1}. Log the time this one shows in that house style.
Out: {"hour": 10, "minute": 10, "second": 1}
